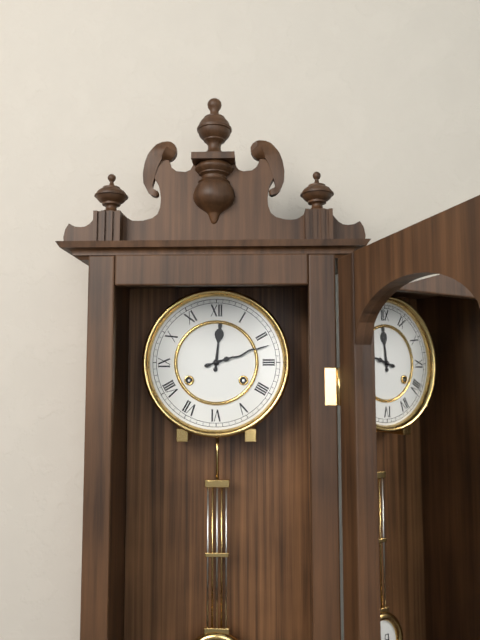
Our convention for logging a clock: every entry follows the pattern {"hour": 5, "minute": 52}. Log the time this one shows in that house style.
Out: {"hour": 12, "minute": 12}
